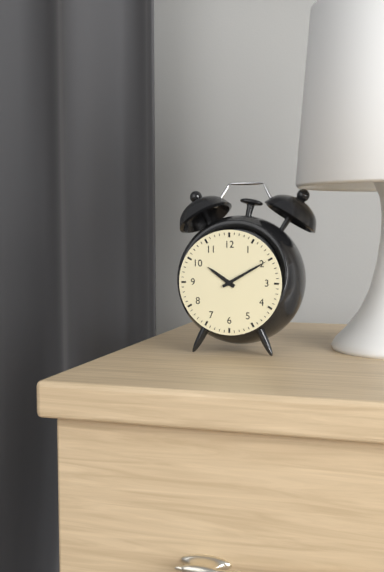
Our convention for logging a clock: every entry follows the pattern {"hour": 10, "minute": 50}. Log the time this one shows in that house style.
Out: {"hour": 10, "minute": 10}
